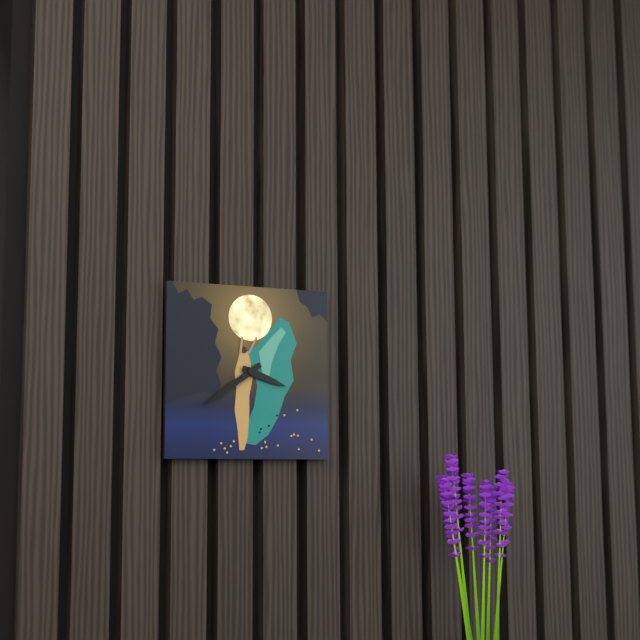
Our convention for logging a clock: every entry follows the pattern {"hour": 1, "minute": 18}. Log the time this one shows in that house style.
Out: {"hour": 3, "minute": 39}
